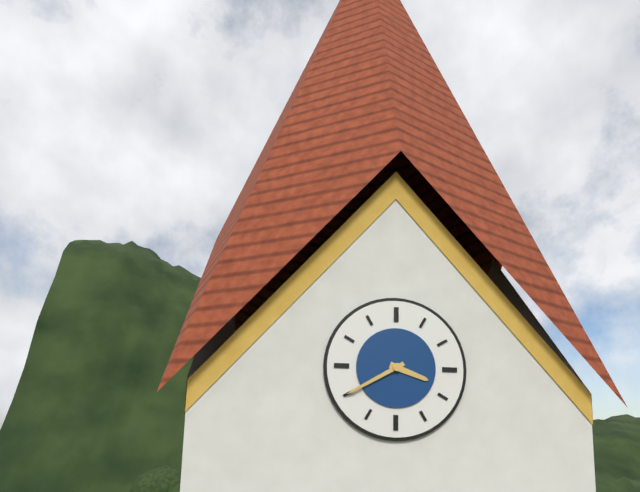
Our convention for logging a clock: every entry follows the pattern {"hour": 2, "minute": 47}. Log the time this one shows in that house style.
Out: {"hour": 3, "minute": 40}
